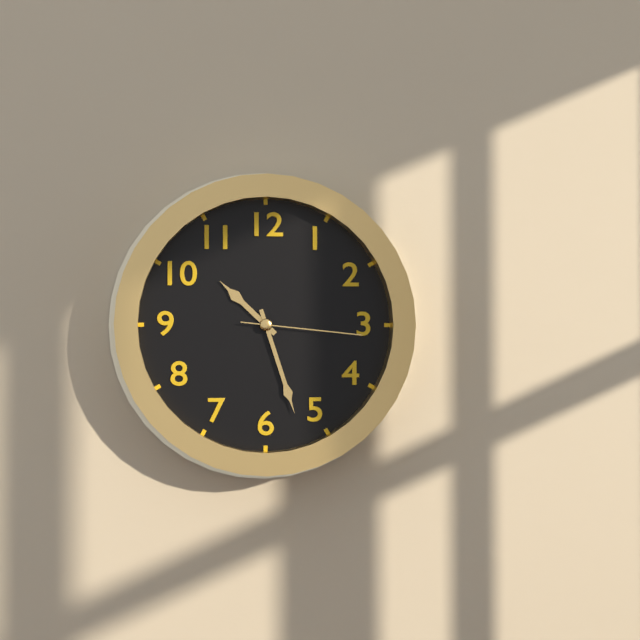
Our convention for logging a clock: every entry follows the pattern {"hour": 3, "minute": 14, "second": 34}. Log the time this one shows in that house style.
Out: {"hour": 10, "minute": 27, "second": 16}
